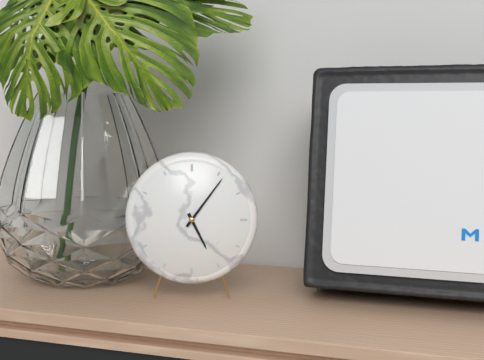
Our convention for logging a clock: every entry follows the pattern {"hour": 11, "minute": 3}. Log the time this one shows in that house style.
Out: {"hour": 5, "minute": 6}
